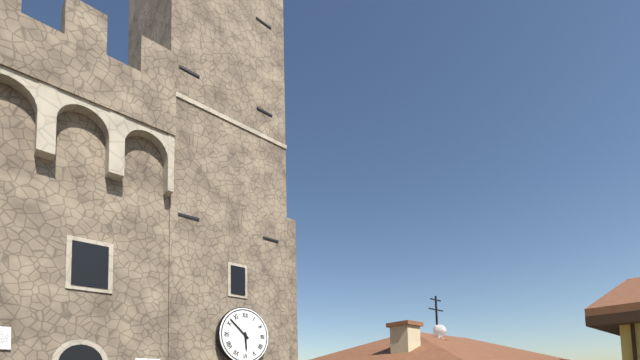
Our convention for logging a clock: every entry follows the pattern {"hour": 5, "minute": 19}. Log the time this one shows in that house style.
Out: {"hour": 5, "minute": 52}
